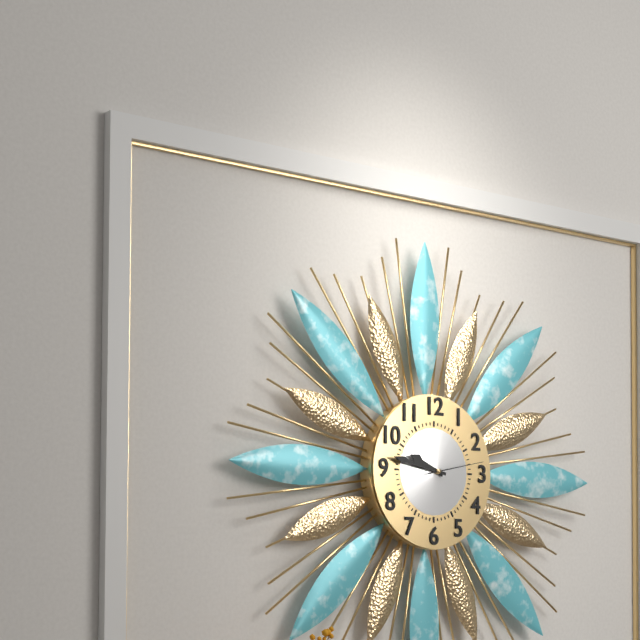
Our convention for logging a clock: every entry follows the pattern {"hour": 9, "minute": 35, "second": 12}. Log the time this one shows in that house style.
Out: {"hour": 9, "minute": 47, "second": 13}
